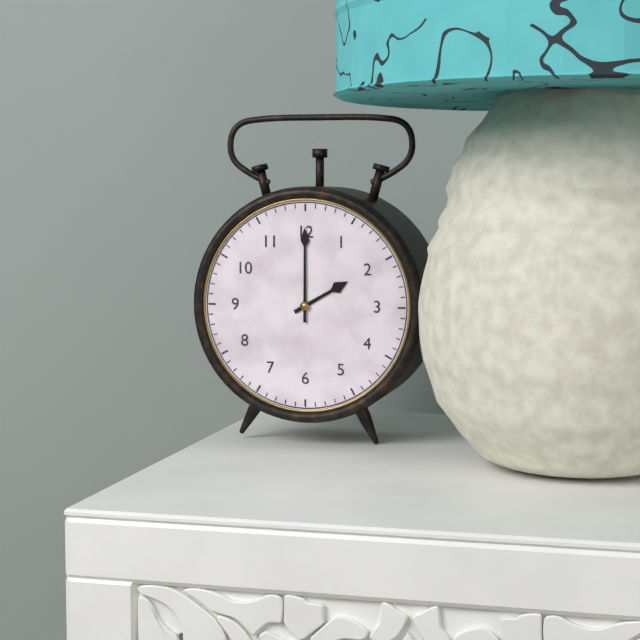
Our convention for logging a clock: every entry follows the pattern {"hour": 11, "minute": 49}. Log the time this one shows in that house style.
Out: {"hour": 2, "minute": 0}
